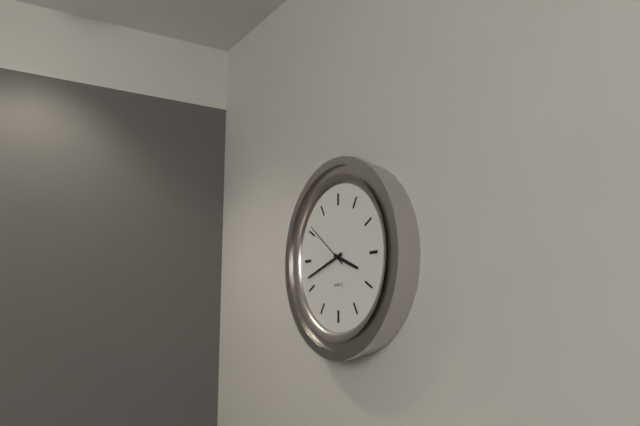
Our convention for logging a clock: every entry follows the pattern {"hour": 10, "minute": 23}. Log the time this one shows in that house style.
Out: {"hour": 3, "minute": 42}
